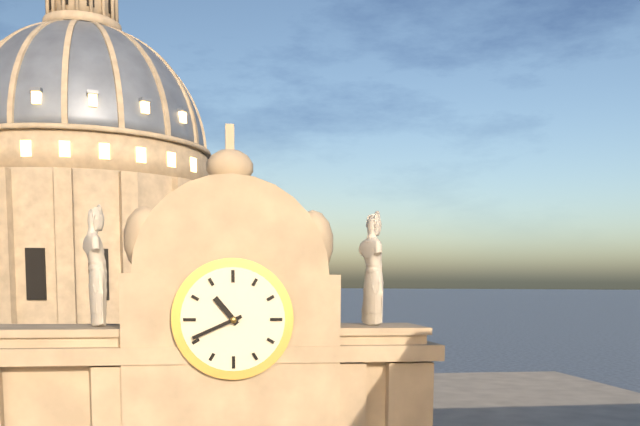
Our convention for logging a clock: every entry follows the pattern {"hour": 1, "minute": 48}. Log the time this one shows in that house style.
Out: {"hour": 10, "minute": 41}
